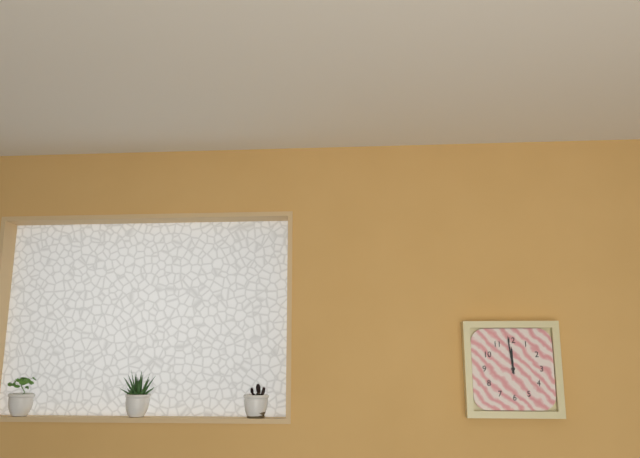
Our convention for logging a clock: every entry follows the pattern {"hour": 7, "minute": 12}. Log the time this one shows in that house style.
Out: {"hour": 11, "minute": 59}
